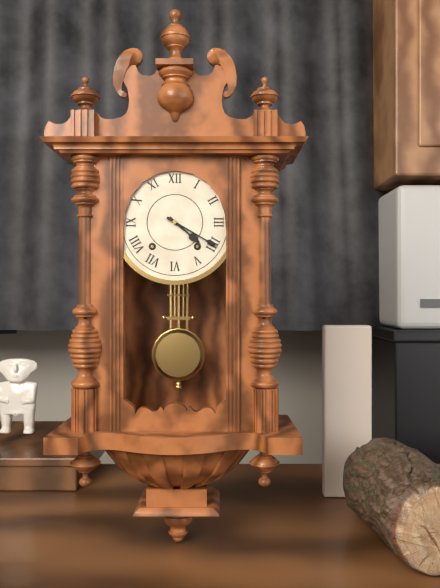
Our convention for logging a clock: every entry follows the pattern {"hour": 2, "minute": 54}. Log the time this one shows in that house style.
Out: {"hour": 4, "minute": 20}
